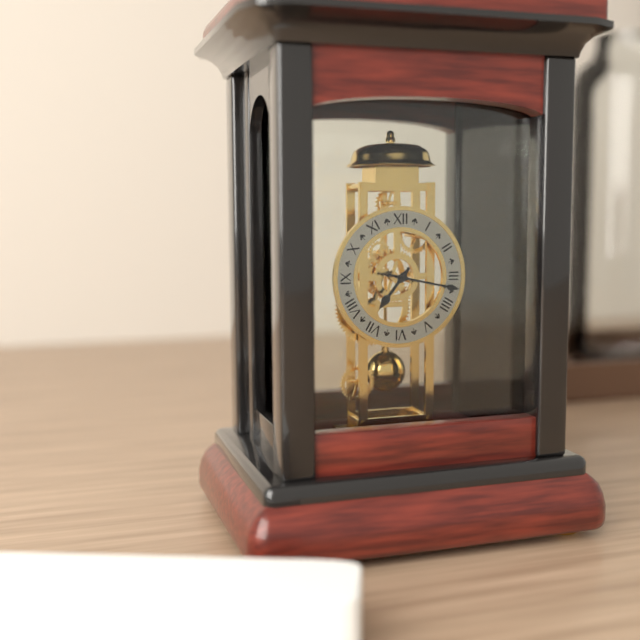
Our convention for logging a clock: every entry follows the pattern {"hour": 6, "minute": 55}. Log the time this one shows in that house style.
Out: {"hour": 7, "minute": 17}
